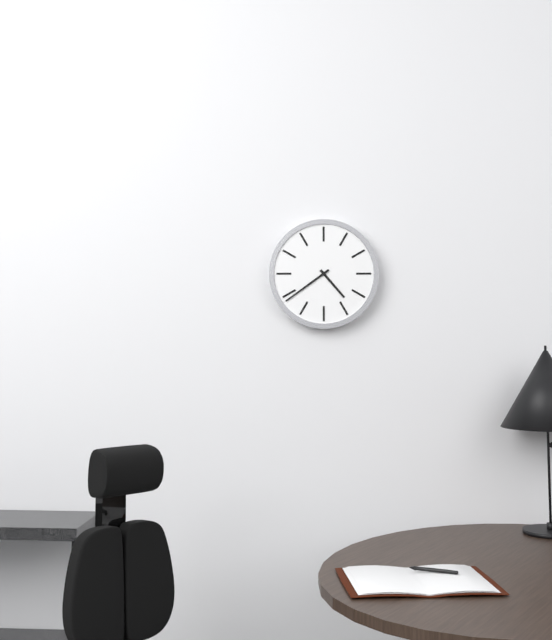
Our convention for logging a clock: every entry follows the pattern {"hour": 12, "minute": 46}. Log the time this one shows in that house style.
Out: {"hour": 4, "minute": 39}
